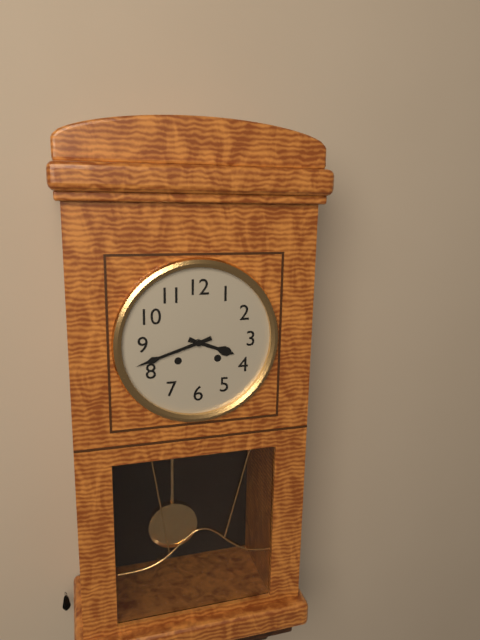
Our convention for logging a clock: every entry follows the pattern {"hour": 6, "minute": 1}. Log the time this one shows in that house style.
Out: {"hour": 3, "minute": 42}
